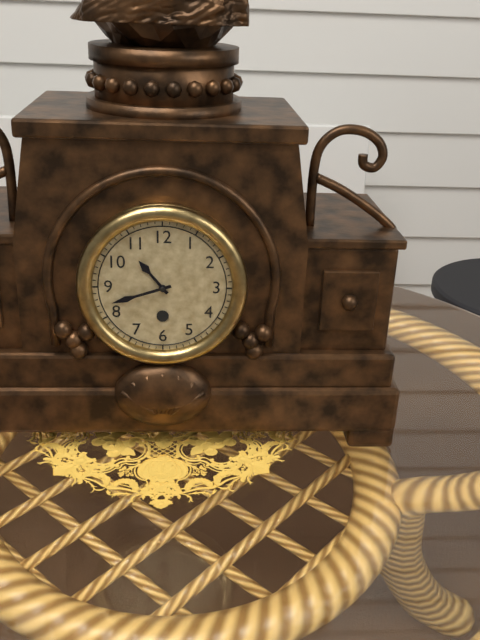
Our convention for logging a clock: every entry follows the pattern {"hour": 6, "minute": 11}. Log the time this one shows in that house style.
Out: {"hour": 10, "minute": 42}
